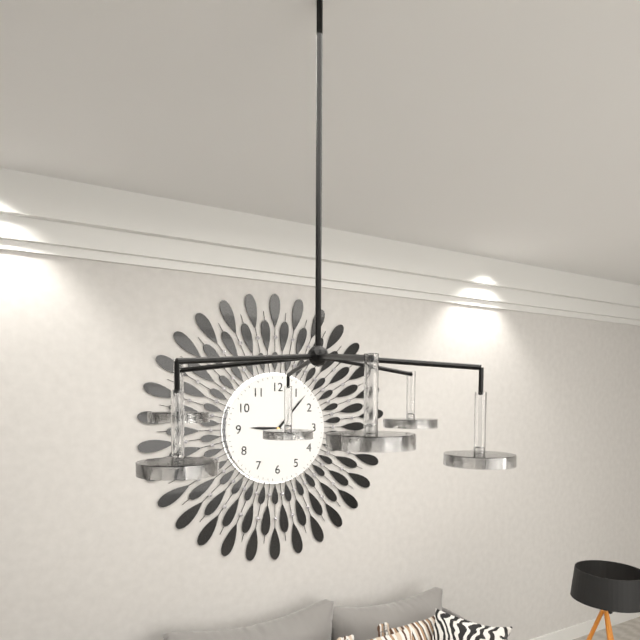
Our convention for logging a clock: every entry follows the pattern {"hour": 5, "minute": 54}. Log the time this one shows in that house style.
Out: {"hour": 9, "minute": 7}
